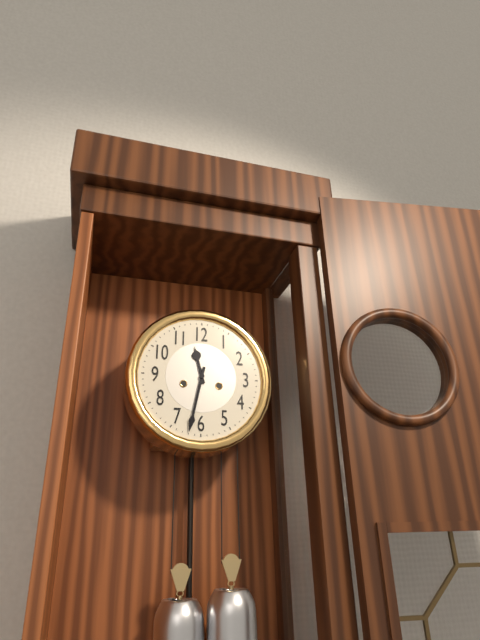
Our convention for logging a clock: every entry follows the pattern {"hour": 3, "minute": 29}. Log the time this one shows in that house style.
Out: {"hour": 11, "minute": 32}
